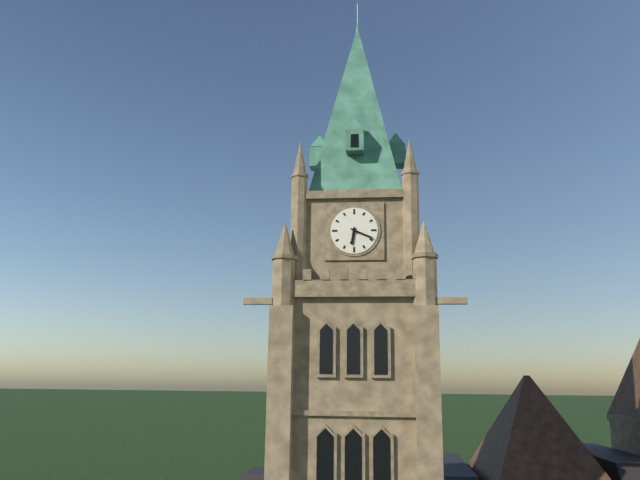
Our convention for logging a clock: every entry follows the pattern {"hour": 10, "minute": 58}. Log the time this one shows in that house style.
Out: {"hour": 6, "minute": 19}
